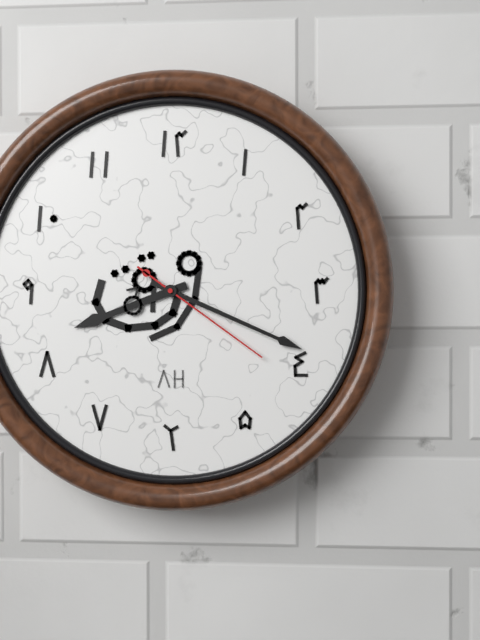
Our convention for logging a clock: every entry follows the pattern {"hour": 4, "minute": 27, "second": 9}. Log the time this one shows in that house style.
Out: {"hour": 8, "minute": 19, "second": 21}
